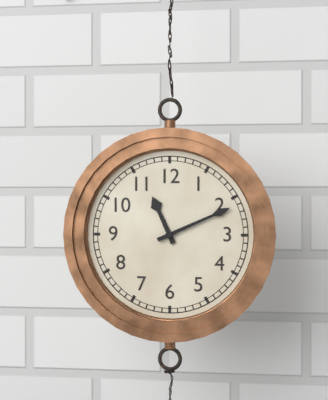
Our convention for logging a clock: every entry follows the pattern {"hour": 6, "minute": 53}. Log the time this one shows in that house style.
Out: {"hour": 11, "minute": 11}
